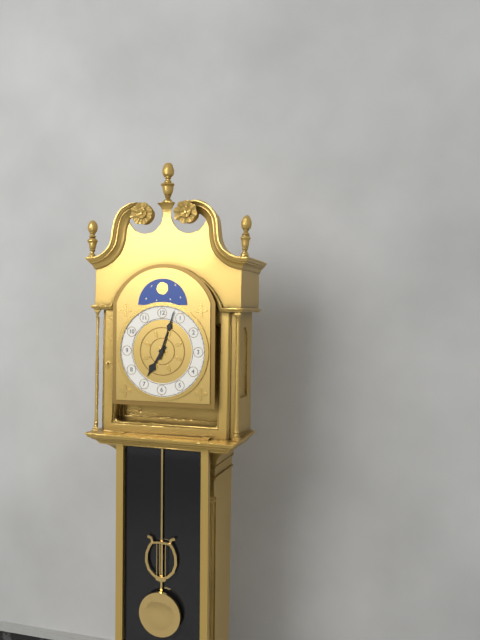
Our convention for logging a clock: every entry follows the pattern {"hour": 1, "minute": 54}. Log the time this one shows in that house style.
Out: {"hour": 7, "minute": 3}
